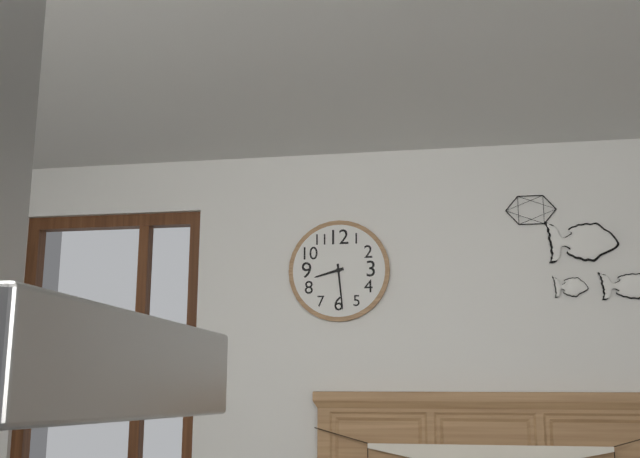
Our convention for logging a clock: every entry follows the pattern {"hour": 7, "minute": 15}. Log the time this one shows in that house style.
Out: {"hour": 8, "minute": 29}
